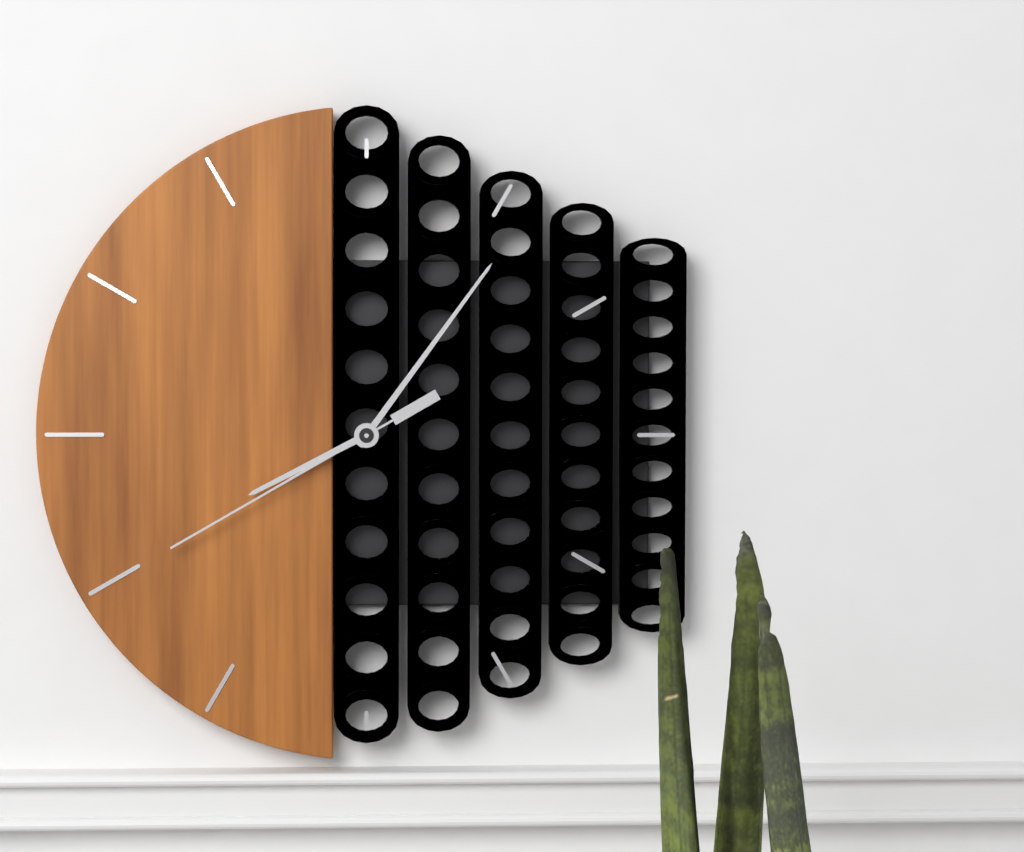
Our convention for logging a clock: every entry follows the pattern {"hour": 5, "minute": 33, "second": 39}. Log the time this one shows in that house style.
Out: {"hour": 8, "minute": 6, "second": 40}
